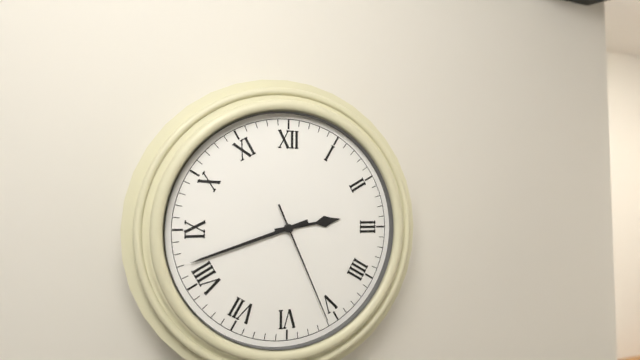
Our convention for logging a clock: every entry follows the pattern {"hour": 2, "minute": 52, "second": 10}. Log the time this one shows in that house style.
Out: {"hour": 2, "minute": 42, "second": 26}
